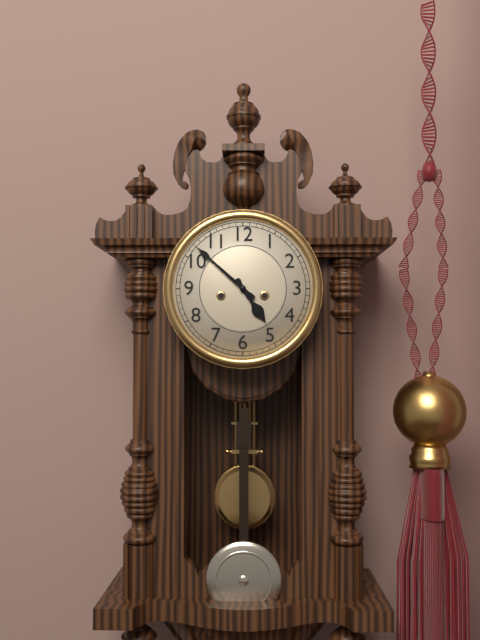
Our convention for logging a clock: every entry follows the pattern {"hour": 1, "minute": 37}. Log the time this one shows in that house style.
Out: {"hour": 4, "minute": 52}
